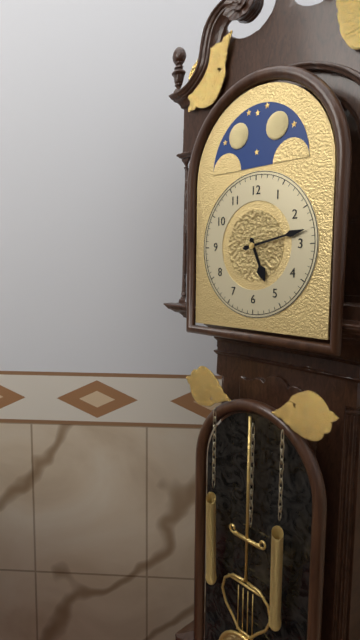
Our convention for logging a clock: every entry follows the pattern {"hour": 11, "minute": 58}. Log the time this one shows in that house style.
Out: {"hour": 5, "minute": 13}
